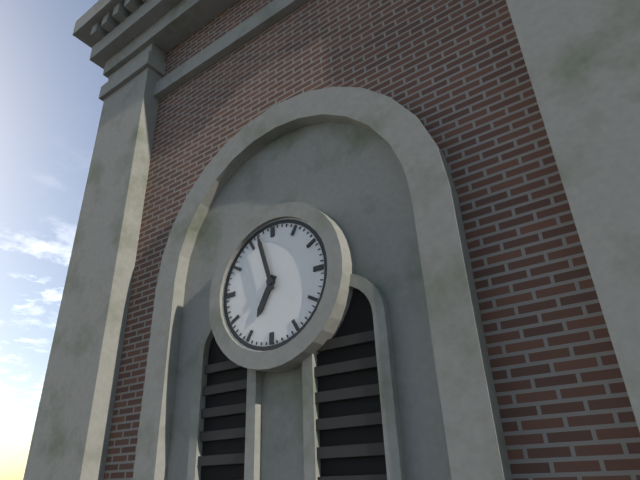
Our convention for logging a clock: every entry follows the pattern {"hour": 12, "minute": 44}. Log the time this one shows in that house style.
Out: {"hour": 6, "minute": 57}
